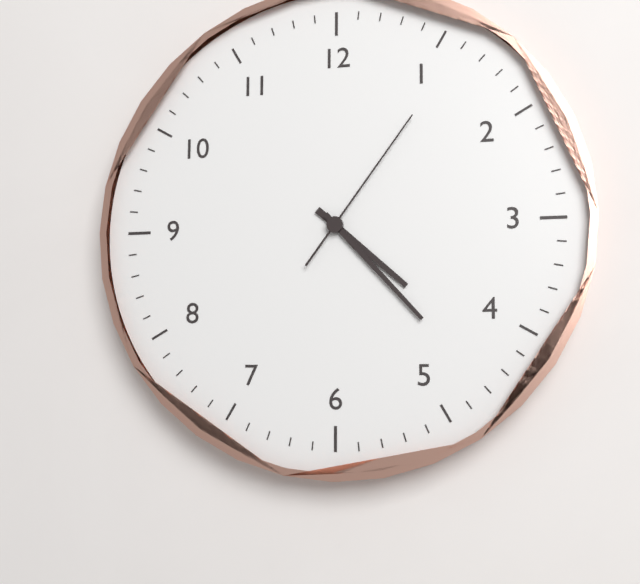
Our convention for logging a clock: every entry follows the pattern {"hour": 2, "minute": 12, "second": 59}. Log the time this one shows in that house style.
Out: {"hour": 4, "minute": 23, "second": 6}
